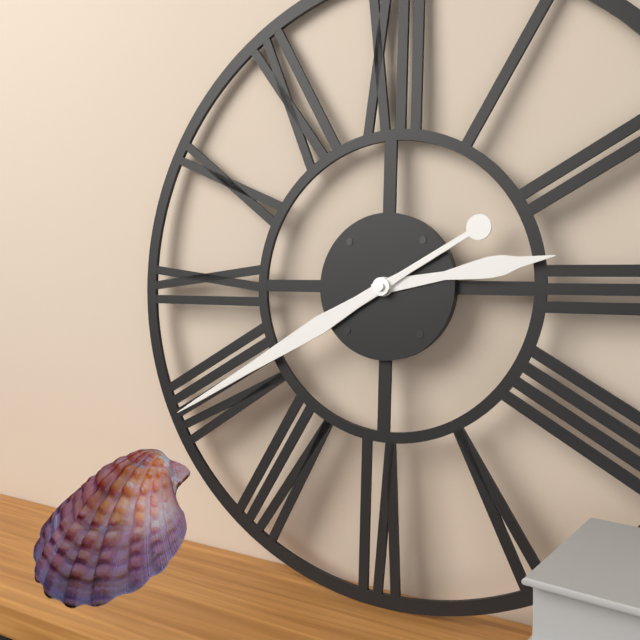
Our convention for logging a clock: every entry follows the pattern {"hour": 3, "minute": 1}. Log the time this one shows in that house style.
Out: {"hour": 2, "minute": 40}
